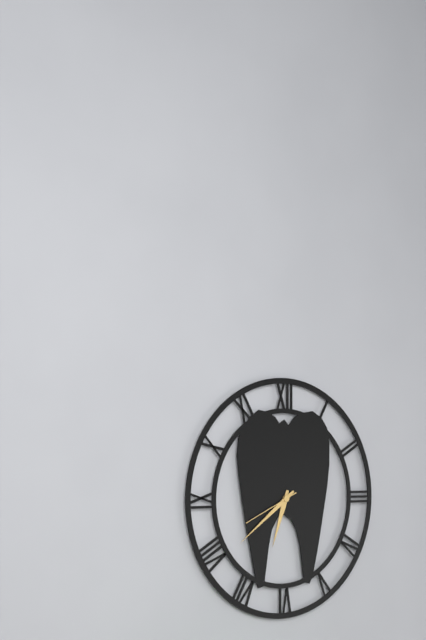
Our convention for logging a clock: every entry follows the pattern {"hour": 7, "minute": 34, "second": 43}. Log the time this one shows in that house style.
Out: {"hour": 6, "minute": 39, "second": 41}
